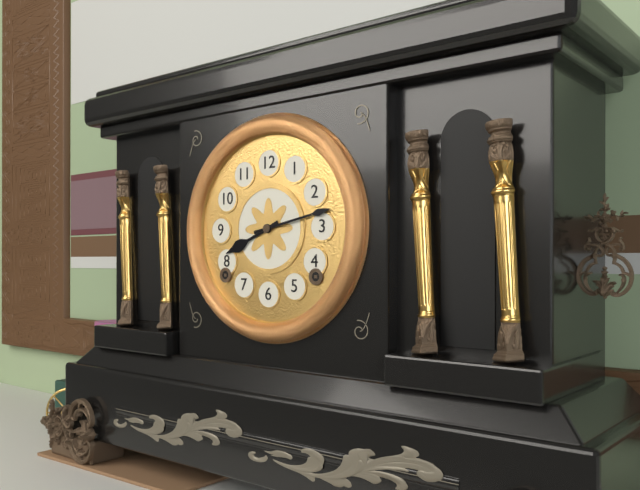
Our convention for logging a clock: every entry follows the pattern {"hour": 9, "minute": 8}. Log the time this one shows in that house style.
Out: {"hour": 8, "minute": 13}
